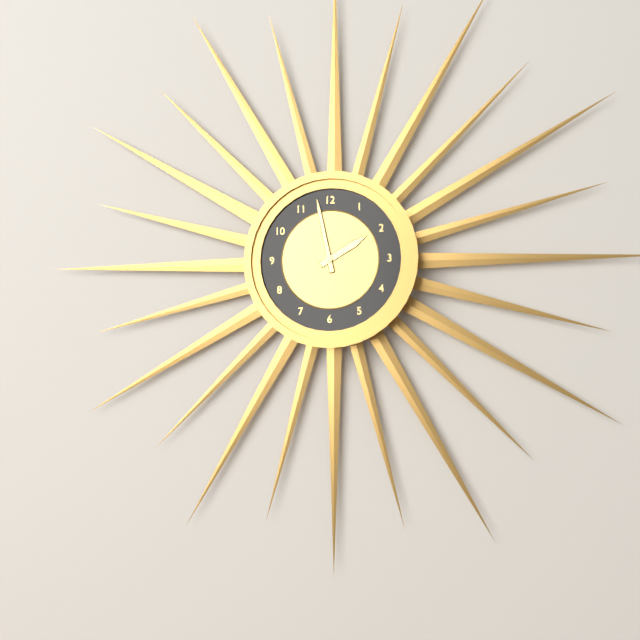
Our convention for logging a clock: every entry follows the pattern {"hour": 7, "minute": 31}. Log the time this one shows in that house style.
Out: {"hour": 1, "minute": 58}
